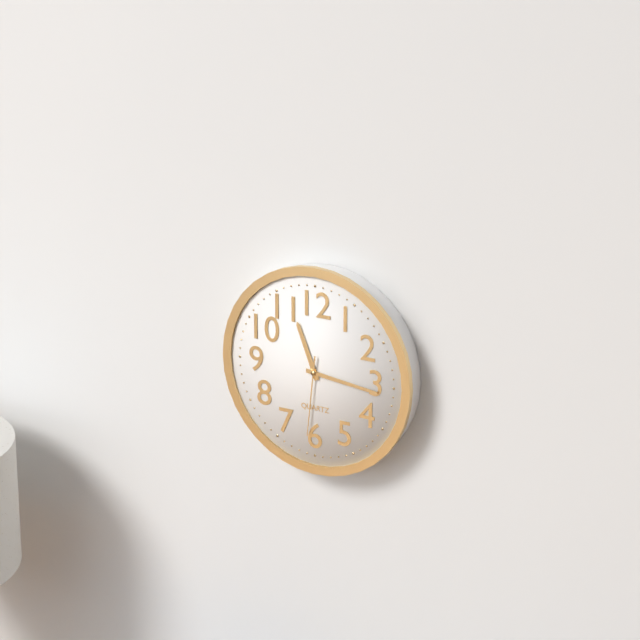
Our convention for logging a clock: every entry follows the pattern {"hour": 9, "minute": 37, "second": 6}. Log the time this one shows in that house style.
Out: {"hour": 11, "minute": 16, "second": 31}
